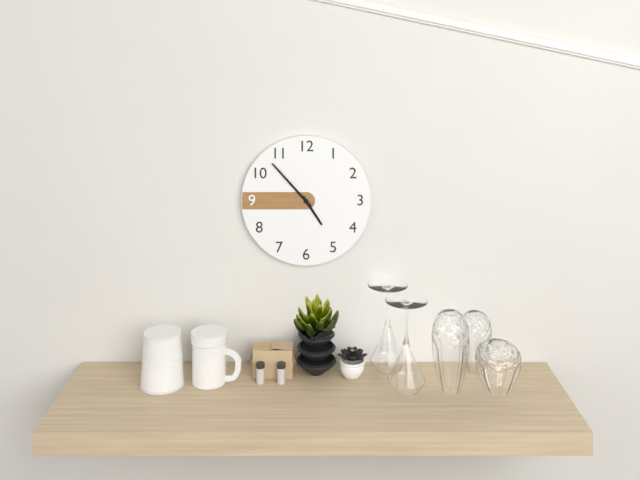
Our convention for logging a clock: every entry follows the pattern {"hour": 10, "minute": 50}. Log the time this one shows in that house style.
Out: {"hour": 4, "minute": 53}
